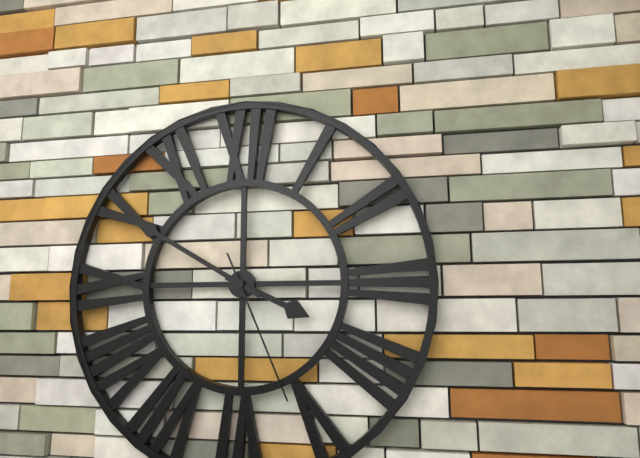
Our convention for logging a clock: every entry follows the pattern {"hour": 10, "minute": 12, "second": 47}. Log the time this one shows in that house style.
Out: {"hour": 3, "minute": 50, "second": 26}
